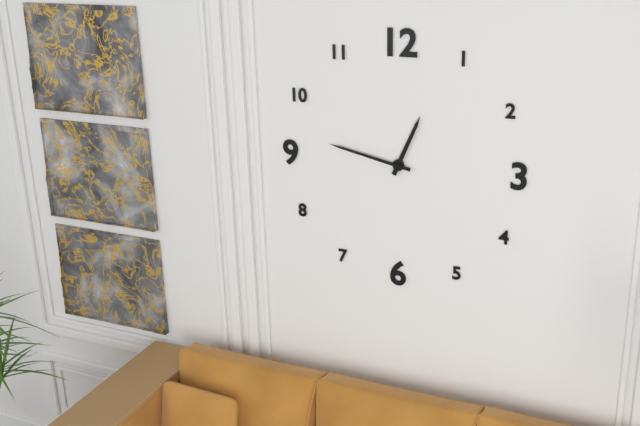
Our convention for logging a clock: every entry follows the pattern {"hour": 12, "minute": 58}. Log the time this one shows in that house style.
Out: {"hour": 12, "minute": 47}
